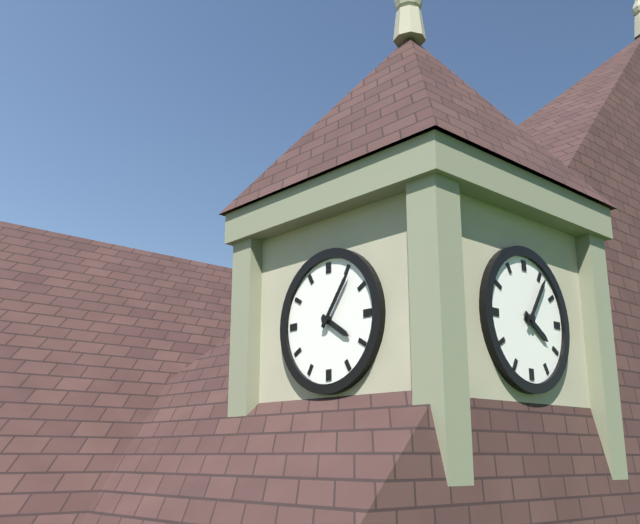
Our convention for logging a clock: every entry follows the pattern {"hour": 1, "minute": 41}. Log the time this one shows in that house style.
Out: {"hour": 4, "minute": 6}
